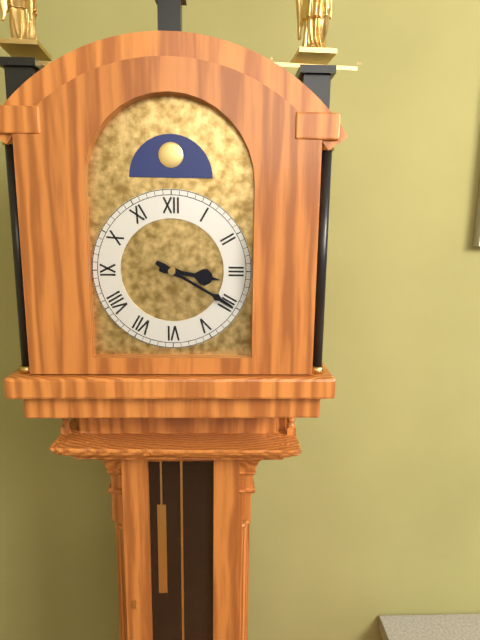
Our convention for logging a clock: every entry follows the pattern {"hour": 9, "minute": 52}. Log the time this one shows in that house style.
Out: {"hour": 3, "minute": 20}
